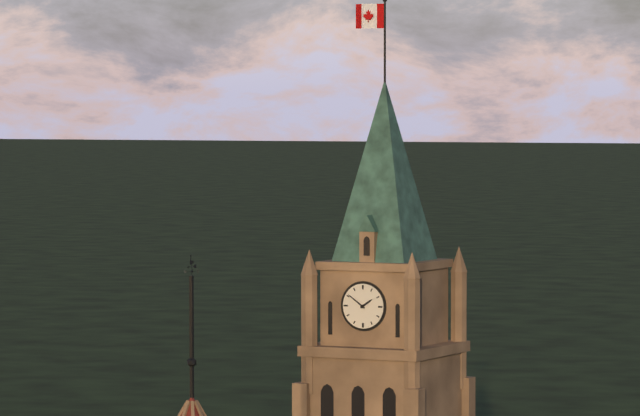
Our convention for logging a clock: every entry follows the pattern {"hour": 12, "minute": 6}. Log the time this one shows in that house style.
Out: {"hour": 1, "minute": 51}
